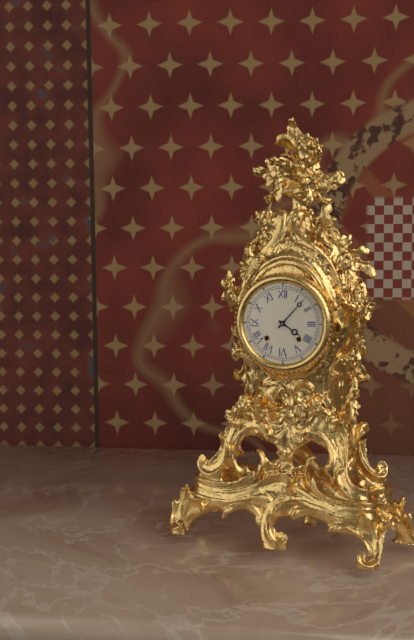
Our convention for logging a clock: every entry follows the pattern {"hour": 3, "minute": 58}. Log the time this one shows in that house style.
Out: {"hour": 4, "minute": 7}
